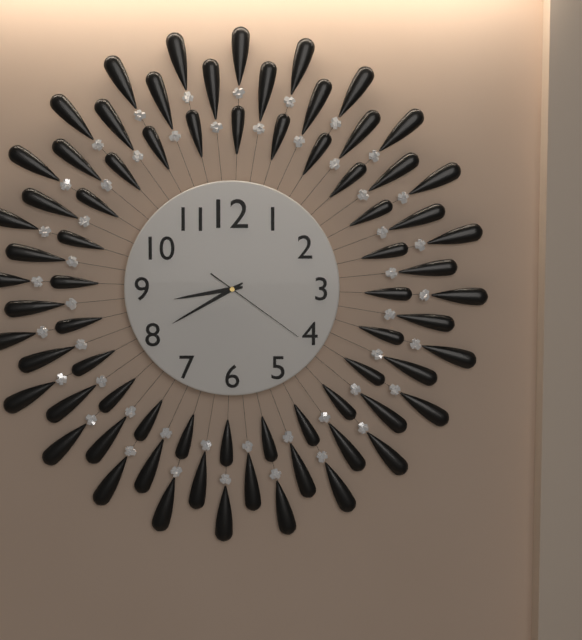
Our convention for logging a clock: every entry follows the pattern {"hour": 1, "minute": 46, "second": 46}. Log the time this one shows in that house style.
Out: {"hour": 8, "minute": 40, "second": 21}
